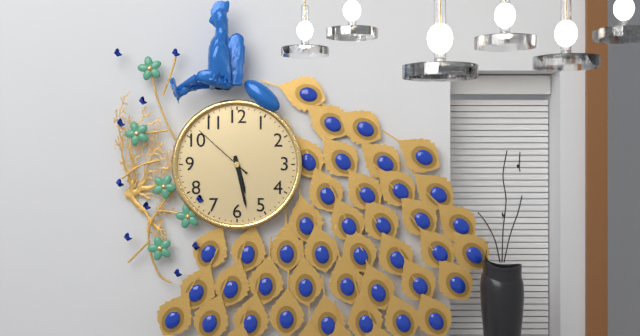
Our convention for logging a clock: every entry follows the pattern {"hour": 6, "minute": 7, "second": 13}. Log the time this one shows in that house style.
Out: {"hour": 5, "minute": 28, "second": 52}
